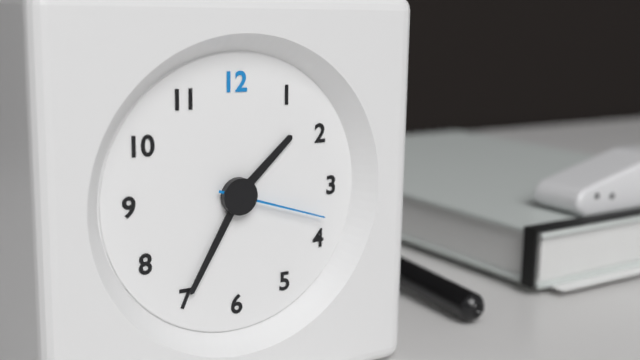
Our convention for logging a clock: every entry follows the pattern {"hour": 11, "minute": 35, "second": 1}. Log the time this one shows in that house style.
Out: {"hour": 1, "minute": 35, "second": 18}
